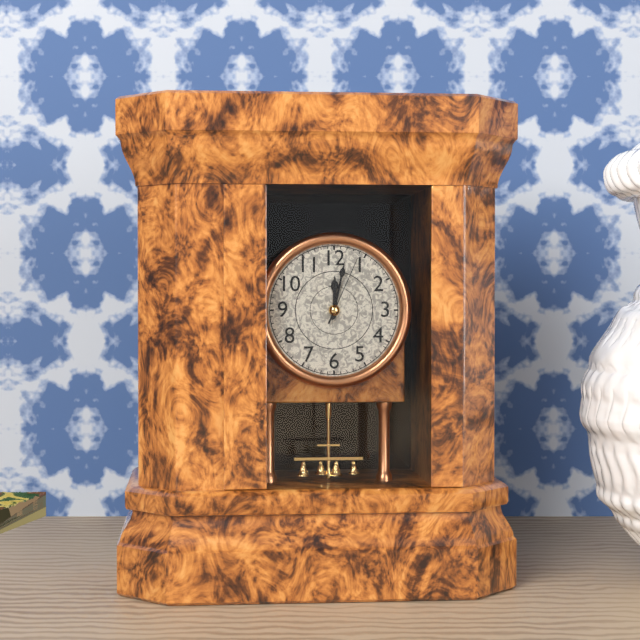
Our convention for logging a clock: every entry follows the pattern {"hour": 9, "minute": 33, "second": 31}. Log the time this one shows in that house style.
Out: {"hour": 12, "minute": 2, "second": 4}
